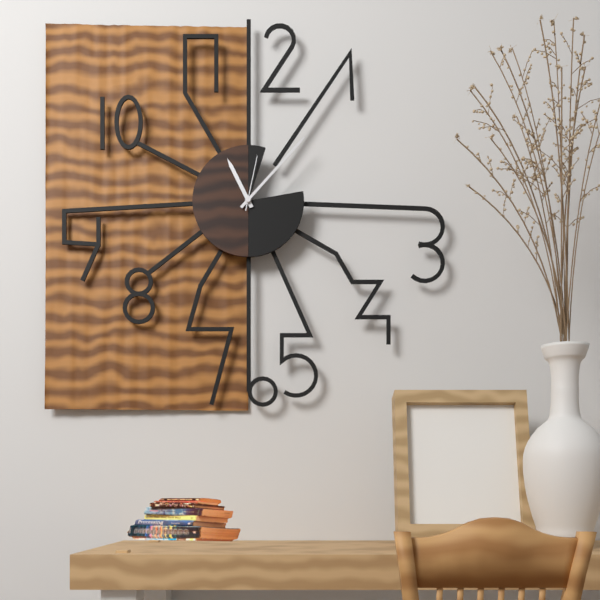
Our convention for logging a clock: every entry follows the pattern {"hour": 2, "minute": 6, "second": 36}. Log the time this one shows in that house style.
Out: {"hour": 11, "minute": 7, "second": 2}
